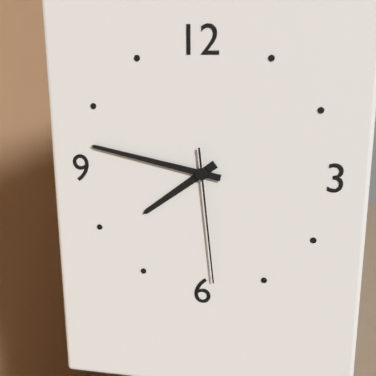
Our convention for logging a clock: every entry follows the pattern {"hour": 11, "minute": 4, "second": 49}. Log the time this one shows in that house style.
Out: {"hour": 7, "minute": 47, "second": 29}
